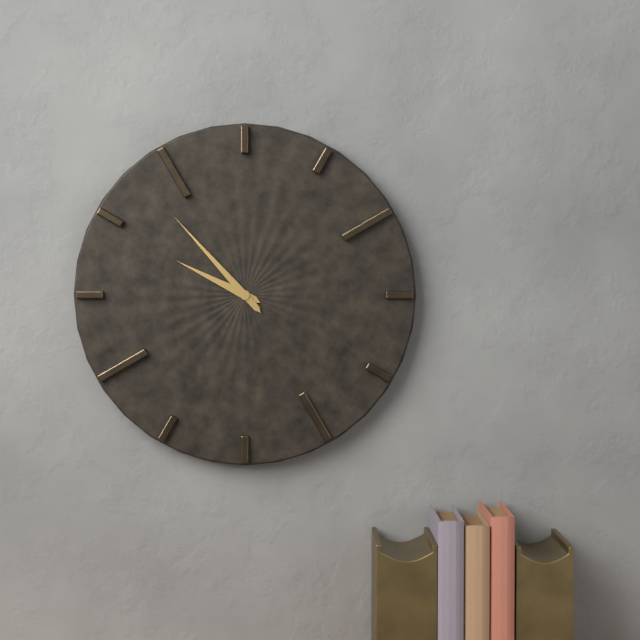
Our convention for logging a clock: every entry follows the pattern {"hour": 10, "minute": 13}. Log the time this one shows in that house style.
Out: {"hour": 9, "minute": 53}
